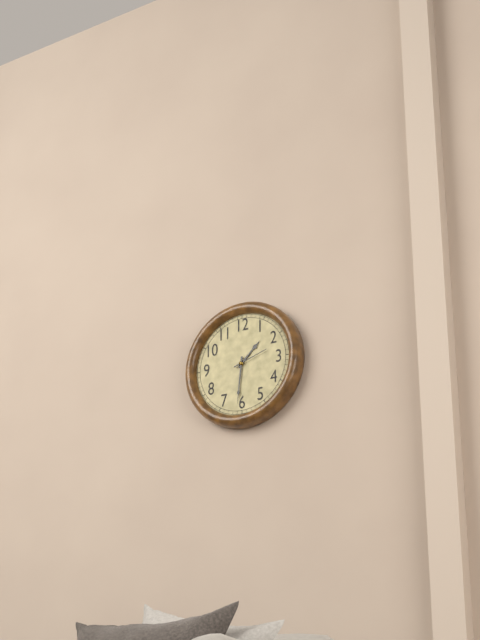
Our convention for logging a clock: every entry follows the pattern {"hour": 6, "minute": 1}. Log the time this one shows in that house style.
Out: {"hour": 1, "minute": 31}
